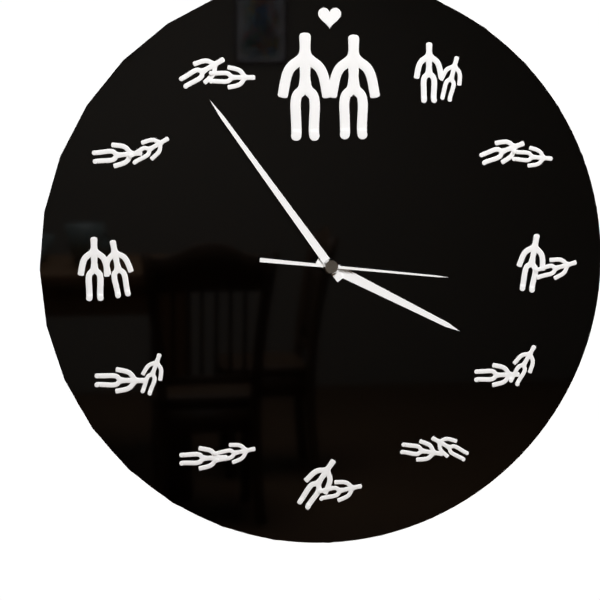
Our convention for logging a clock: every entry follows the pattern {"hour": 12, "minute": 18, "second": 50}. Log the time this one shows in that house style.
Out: {"hour": 3, "minute": 54, "second": 16}
